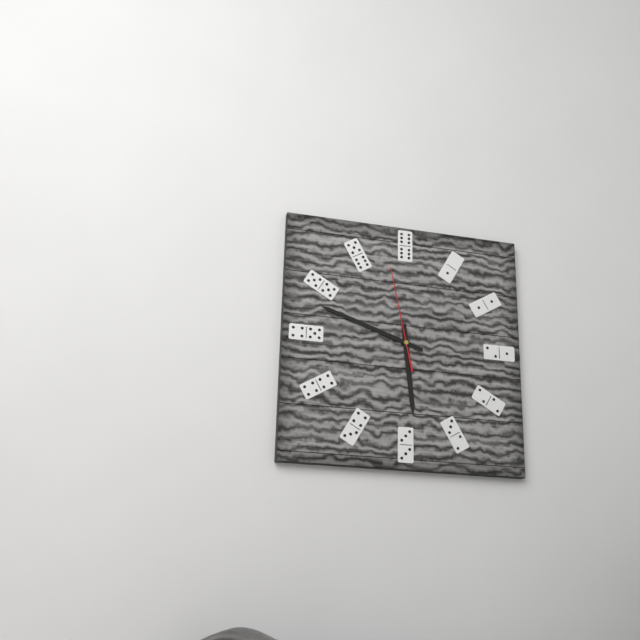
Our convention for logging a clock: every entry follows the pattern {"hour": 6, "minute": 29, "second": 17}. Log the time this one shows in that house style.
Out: {"hour": 5, "minute": 48, "second": 58}
